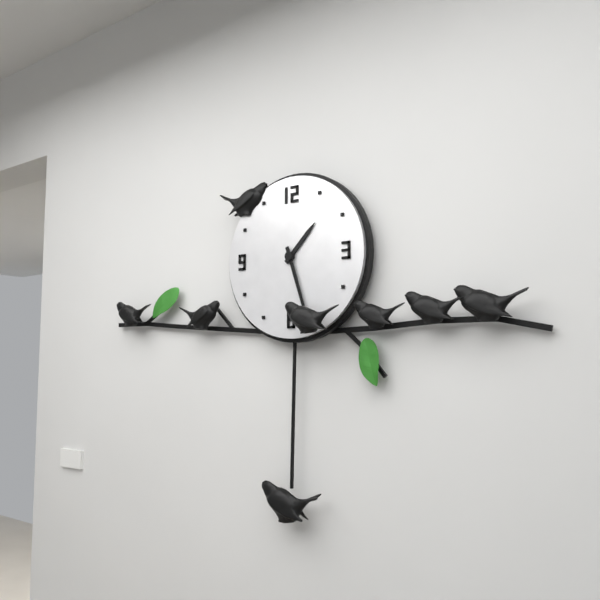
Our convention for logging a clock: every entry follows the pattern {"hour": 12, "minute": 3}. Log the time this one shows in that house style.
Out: {"hour": 1, "minute": 27}
